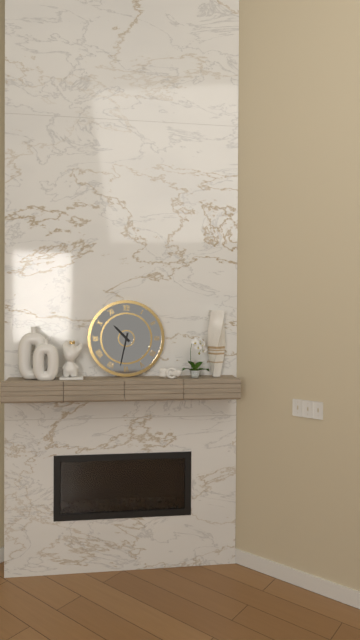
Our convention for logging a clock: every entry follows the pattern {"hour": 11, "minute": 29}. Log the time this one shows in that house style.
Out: {"hour": 10, "minute": 32}
